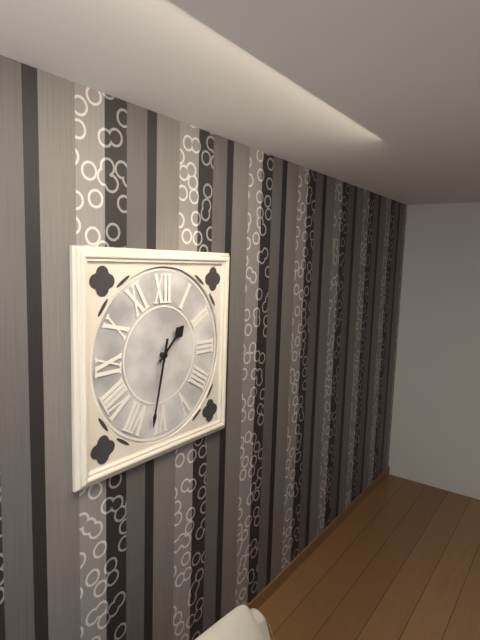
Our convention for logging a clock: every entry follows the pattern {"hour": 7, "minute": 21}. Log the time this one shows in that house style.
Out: {"hour": 1, "minute": 32}
